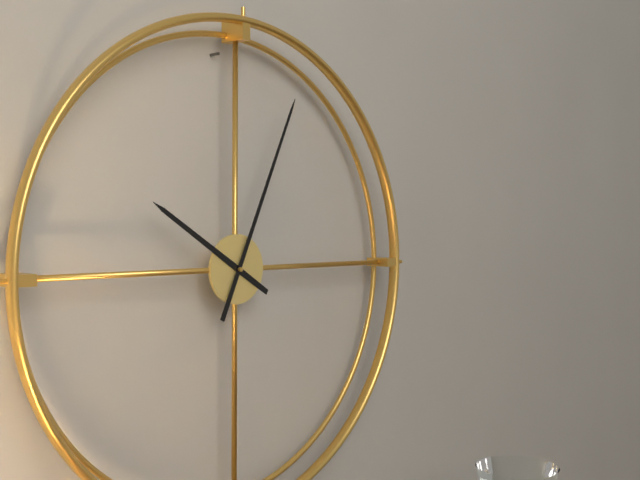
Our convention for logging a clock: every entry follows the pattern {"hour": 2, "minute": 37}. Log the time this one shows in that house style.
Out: {"hour": 10, "minute": 4}
